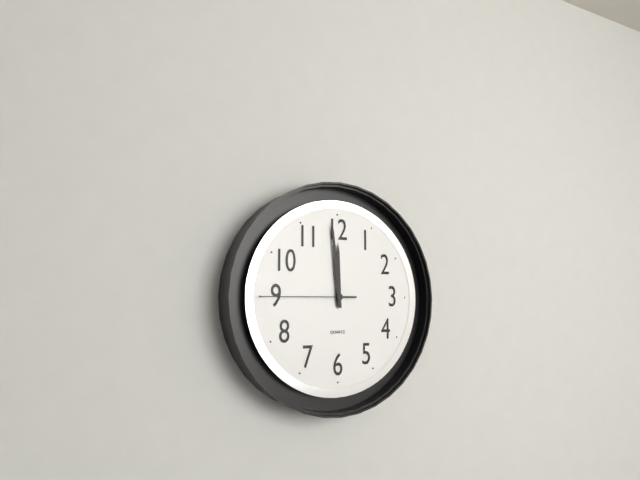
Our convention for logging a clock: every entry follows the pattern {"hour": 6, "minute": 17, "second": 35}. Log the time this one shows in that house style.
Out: {"hour": 11, "minute": 59, "second": 45}
